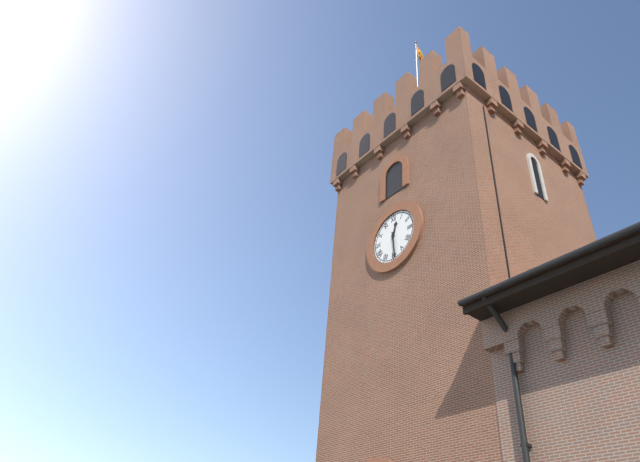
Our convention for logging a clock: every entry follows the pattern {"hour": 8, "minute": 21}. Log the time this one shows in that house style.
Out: {"hour": 12, "minute": 29}
